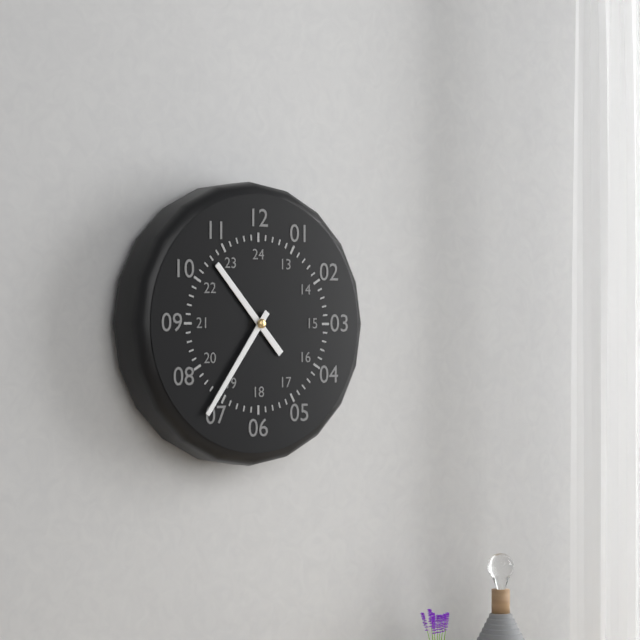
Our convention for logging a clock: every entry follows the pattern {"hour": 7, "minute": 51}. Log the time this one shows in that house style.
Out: {"hour": 10, "minute": 36}
